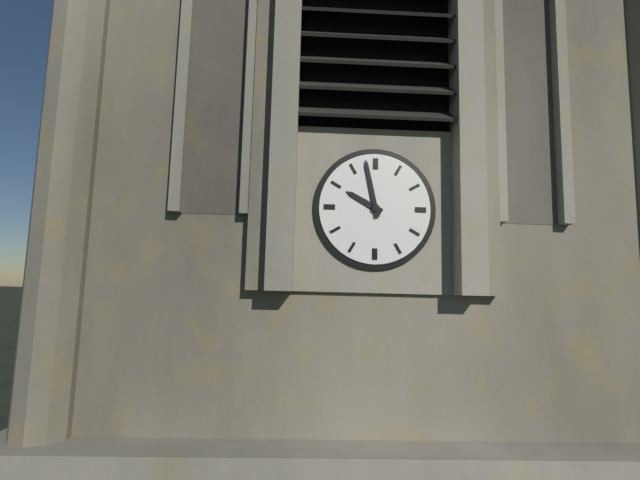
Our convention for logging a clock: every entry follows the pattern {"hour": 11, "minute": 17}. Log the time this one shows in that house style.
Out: {"hour": 9, "minute": 58}
